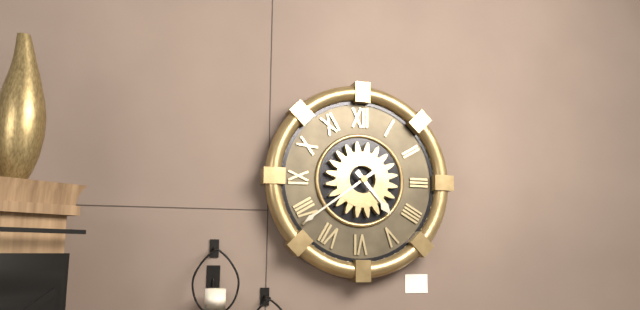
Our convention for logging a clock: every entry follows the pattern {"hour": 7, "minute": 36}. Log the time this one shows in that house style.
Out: {"hour": 4, "minute": 39}
